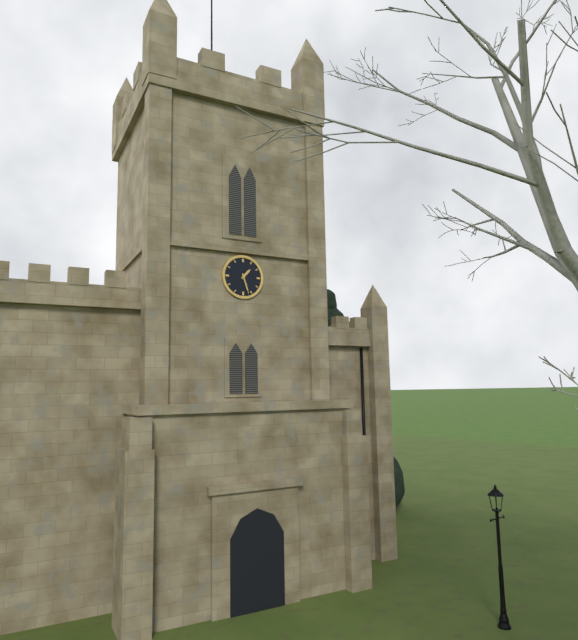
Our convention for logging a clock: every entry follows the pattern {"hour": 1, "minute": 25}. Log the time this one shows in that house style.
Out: {"hour": 1, "minute": 27}
